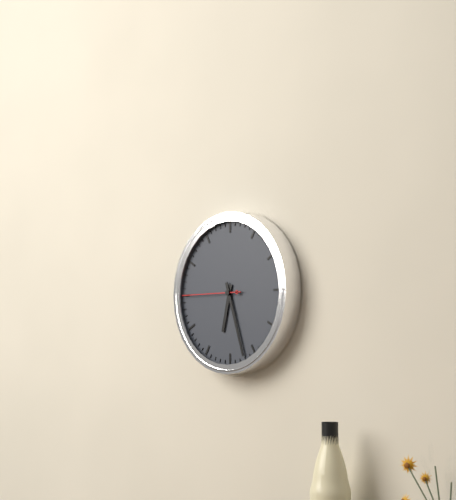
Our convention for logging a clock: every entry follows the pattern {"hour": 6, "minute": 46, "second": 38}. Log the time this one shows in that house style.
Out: {"hour": 6, "minute": 27, "second": 45}
